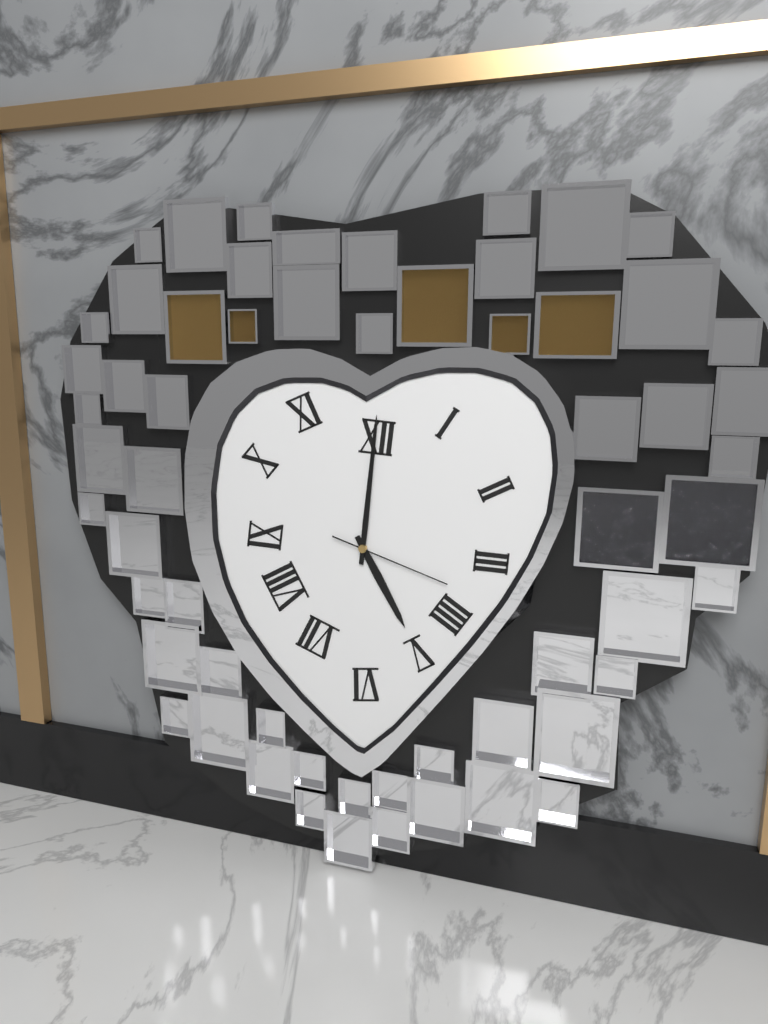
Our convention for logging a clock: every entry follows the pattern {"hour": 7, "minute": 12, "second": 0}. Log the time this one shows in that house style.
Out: {"hour": 5, "minute": 1, "second": 18}
